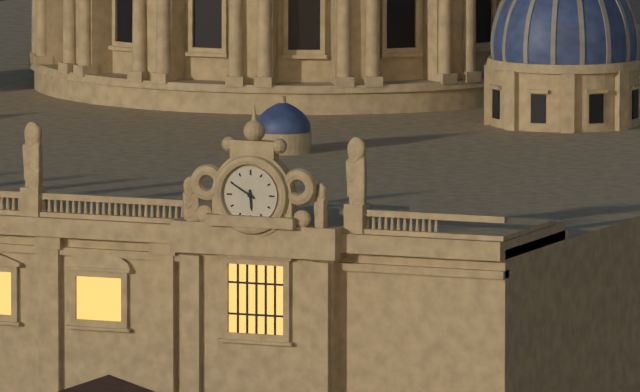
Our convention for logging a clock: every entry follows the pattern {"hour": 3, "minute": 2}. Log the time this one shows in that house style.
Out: {"hour": 5, "minute": 50}
